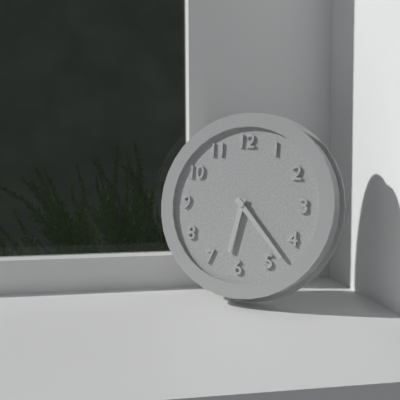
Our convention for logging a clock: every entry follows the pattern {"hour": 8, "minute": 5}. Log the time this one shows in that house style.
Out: {"hour": 6, "minute": 23}
